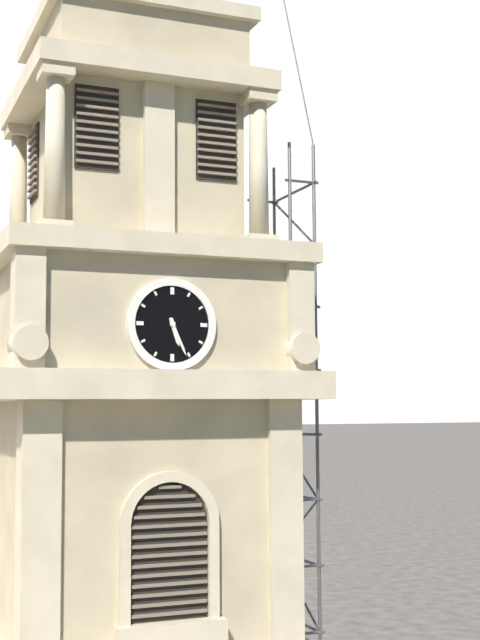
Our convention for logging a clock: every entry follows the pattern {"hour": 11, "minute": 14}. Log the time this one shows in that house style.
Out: {"hour": 5, "minute": 26}
